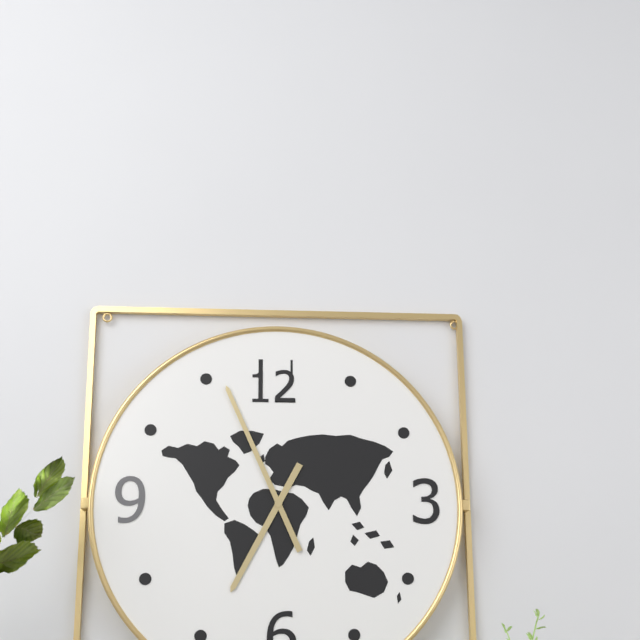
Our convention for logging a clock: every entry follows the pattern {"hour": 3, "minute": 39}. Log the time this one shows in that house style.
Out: {"hour": 6, "minute": 56}
